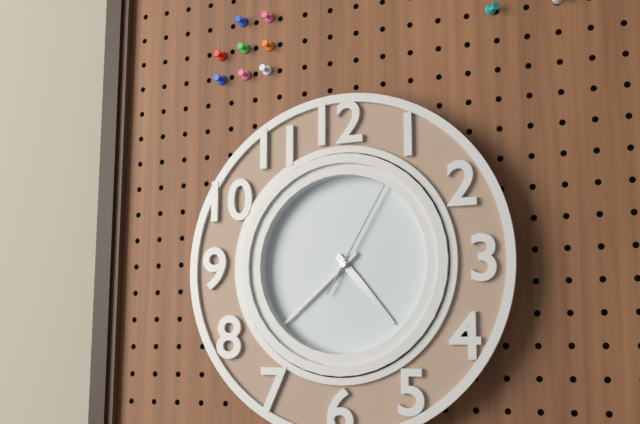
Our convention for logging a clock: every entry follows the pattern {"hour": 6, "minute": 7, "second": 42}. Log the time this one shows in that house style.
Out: {"hour": 4, "minute": 38, "second": 5}
